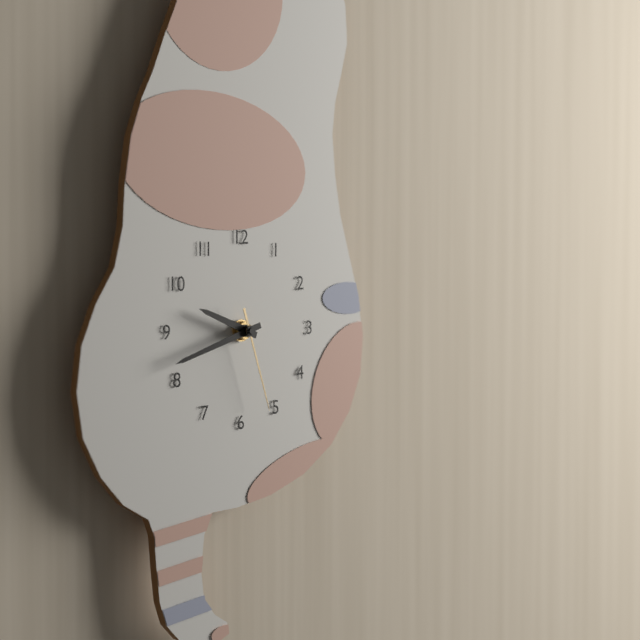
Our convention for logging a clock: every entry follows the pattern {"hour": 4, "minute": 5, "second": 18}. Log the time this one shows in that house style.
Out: {"hour": 9, "minute": 42, "second": 27}
